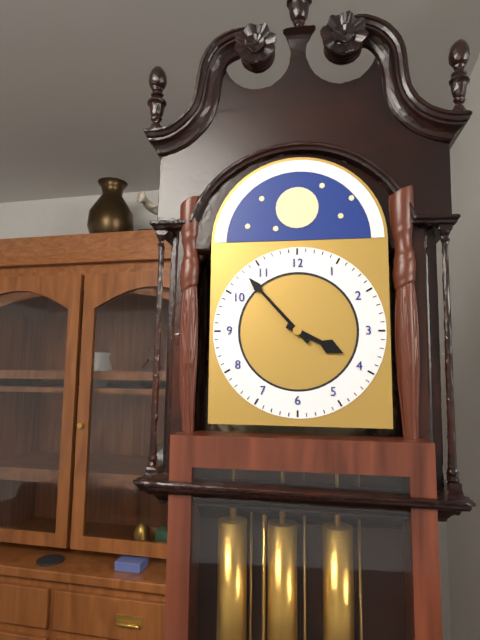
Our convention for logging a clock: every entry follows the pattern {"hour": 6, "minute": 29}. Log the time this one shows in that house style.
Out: {"hour": 3, "minute": 53}
